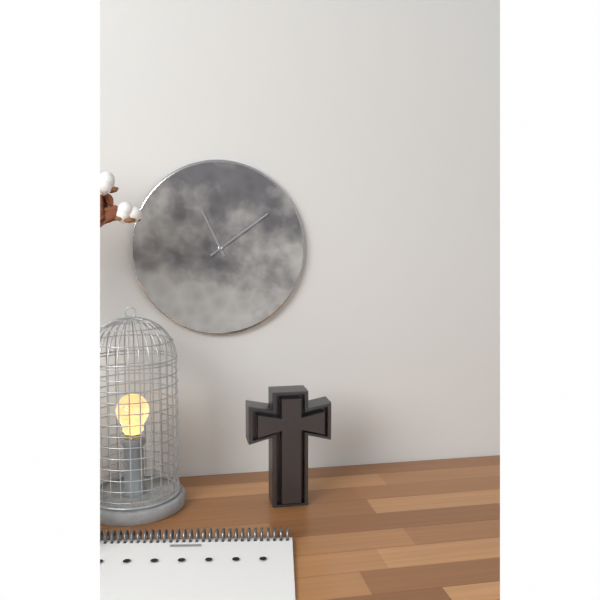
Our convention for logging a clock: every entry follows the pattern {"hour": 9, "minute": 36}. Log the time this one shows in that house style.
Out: {"hour": 11, "minute": 9}
